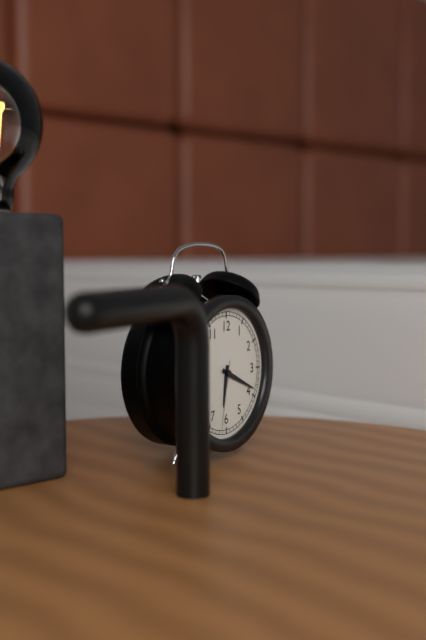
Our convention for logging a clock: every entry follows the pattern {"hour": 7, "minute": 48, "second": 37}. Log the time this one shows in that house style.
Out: {"hour": 6, "minute": 19, "second": 32}
